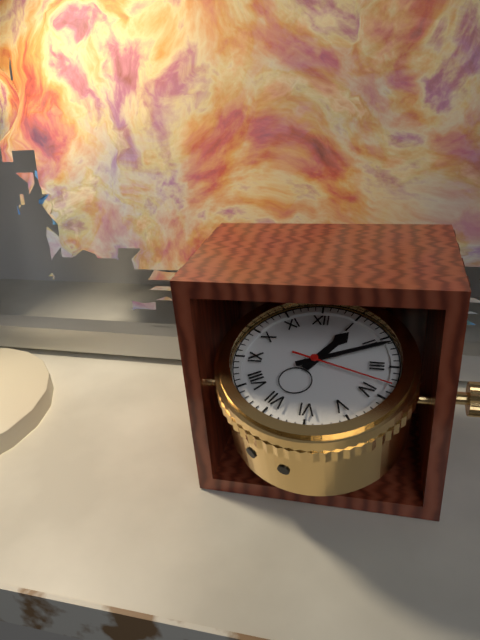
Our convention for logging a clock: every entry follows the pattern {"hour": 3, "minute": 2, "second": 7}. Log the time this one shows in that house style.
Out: {"hour": 1, "minute": 11, "second": 18}
